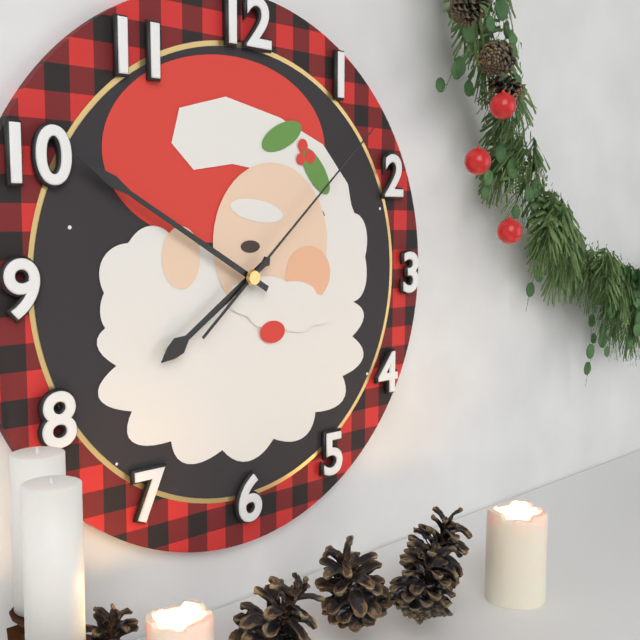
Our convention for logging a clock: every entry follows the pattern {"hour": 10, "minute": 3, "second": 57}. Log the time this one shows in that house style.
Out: {"hour": 7, "minute": 50, "second": 8}
